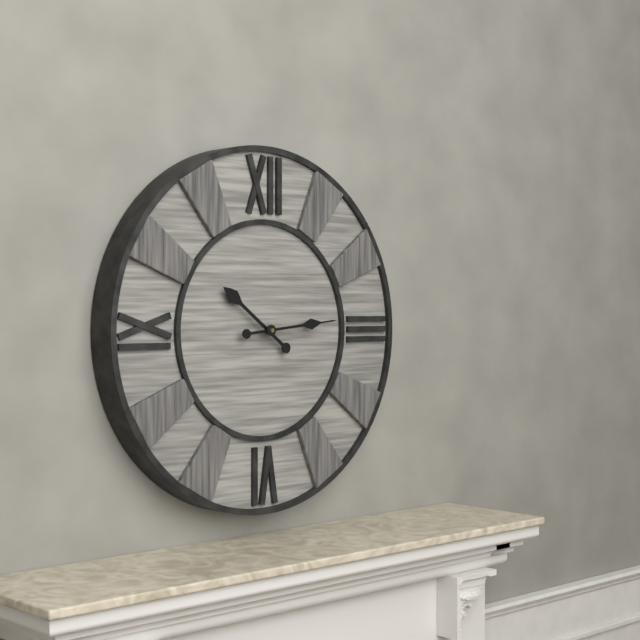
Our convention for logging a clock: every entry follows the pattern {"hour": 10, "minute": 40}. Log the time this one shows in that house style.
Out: {"hour": 10, "minute": 14}
